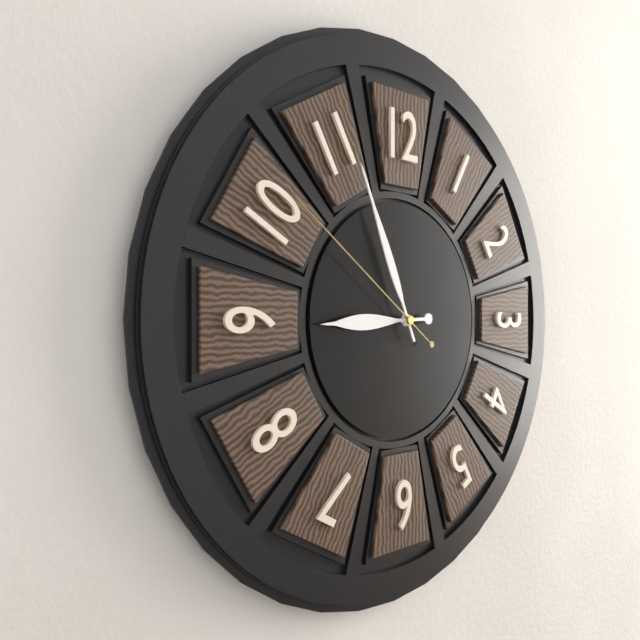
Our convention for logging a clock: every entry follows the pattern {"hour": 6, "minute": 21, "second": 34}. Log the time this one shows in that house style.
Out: {"hour": 8, "minute": 56, "second": 51}
